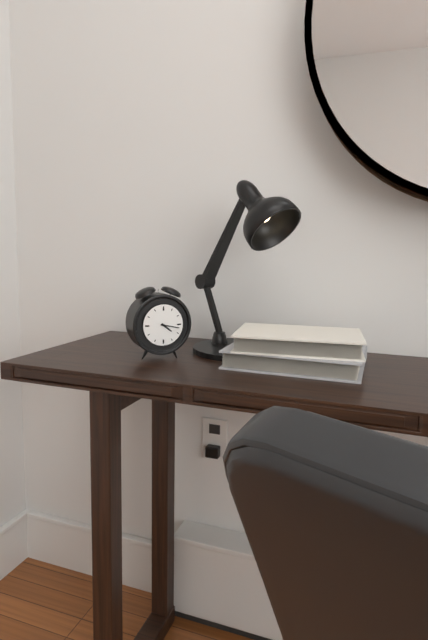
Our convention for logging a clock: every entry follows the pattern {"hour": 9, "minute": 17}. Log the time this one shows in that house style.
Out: {"hour": 4, "minute": 17}
